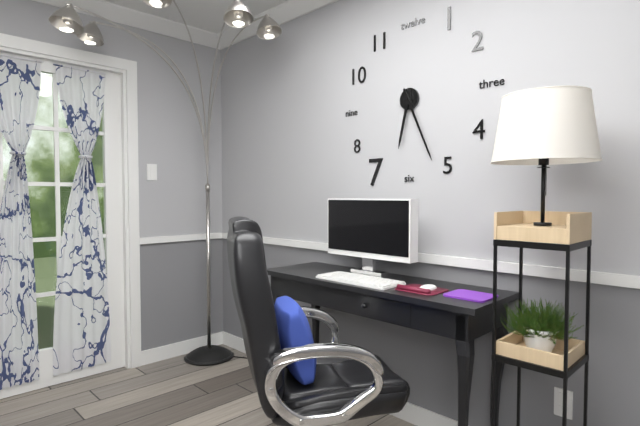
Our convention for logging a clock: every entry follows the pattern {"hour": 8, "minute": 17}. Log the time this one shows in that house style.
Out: {"hour": 6, "minute": 26}
